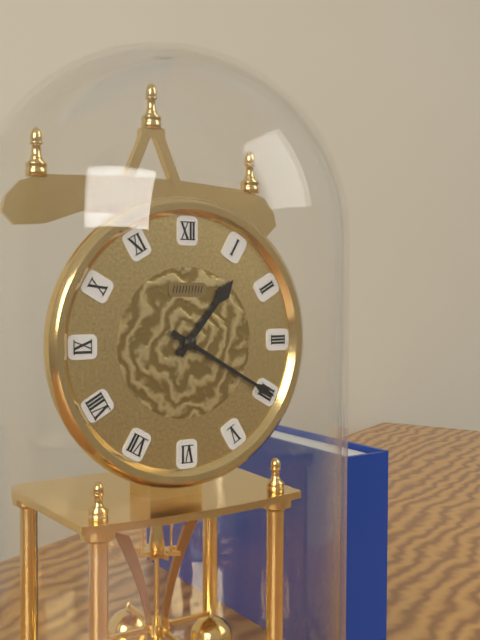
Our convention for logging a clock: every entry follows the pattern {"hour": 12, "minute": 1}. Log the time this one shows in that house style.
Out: {"hour": 1, "minute": 20}
